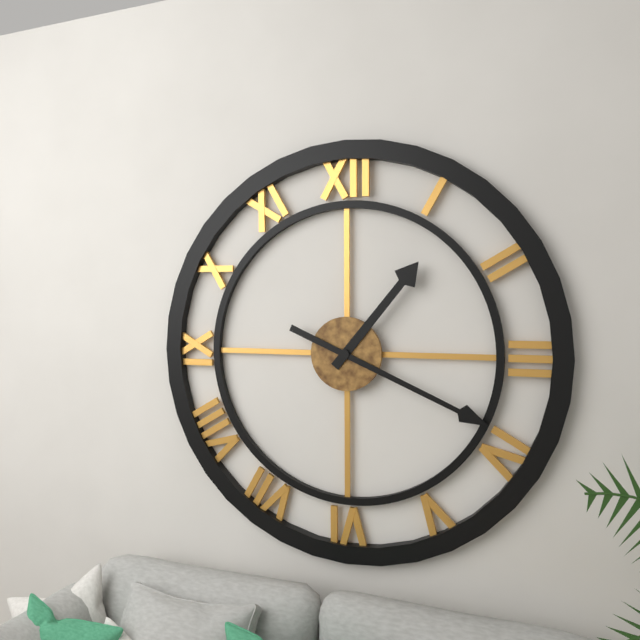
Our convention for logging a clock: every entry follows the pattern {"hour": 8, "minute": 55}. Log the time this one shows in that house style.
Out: {"hour": 1, "minute": 19}
